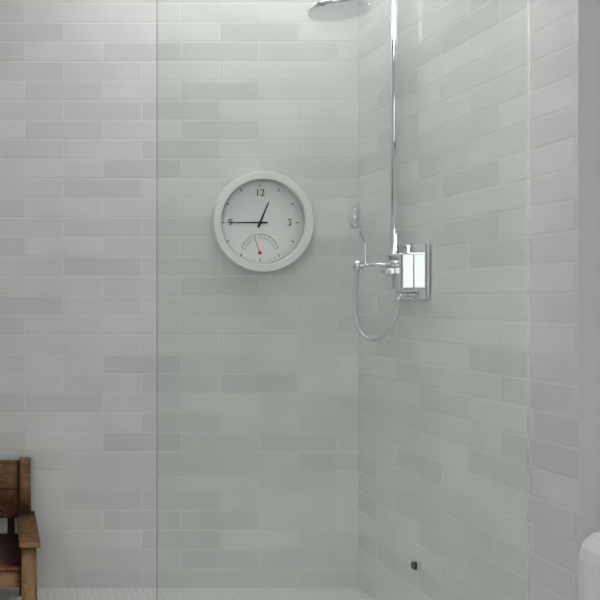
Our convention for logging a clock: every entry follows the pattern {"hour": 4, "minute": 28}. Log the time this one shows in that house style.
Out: {"hour": 12, "minute": 45}
